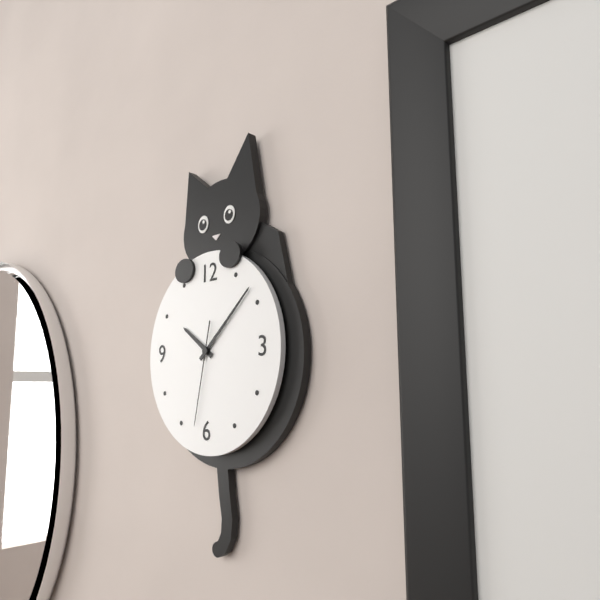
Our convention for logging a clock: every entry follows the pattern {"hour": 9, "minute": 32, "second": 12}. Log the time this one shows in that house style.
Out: {"hour": 10, "minute": 8, "second": 32}
